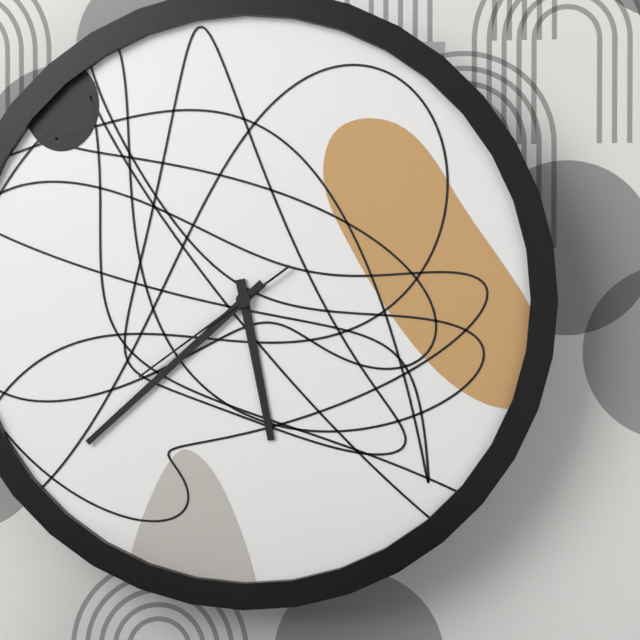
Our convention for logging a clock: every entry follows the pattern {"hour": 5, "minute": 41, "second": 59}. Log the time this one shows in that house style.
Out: {"hour": 5, "minute": 38, "second": 39}
